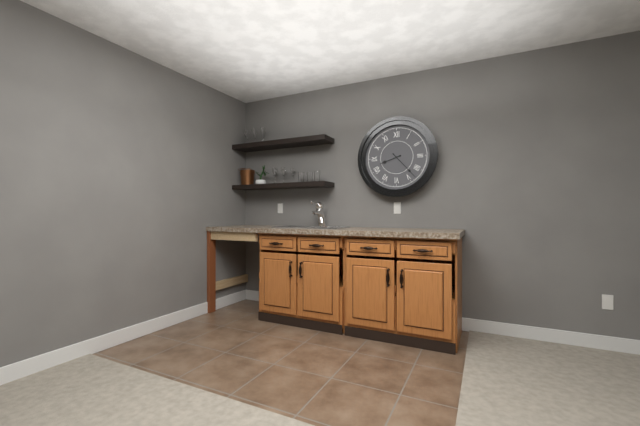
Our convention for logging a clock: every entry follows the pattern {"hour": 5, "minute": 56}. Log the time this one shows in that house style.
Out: {"hour": 8, "minute": 23}
